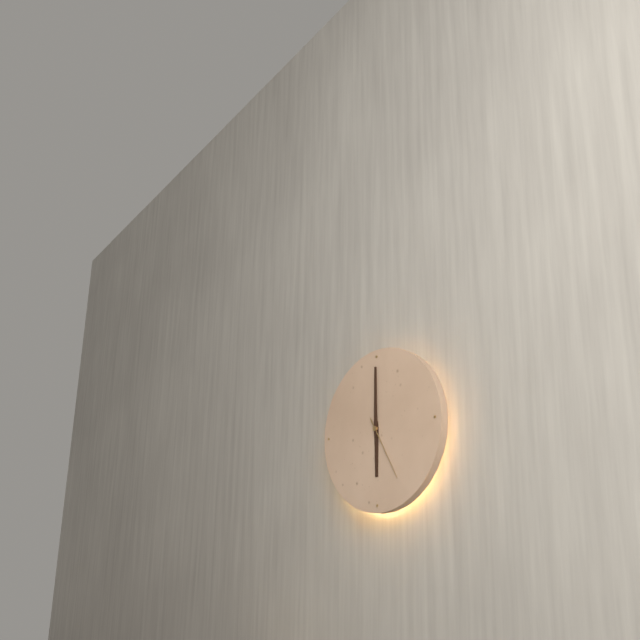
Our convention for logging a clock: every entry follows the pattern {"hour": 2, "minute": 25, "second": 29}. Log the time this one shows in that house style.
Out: {"hour": 6, "minute": 0, "second": 25}
